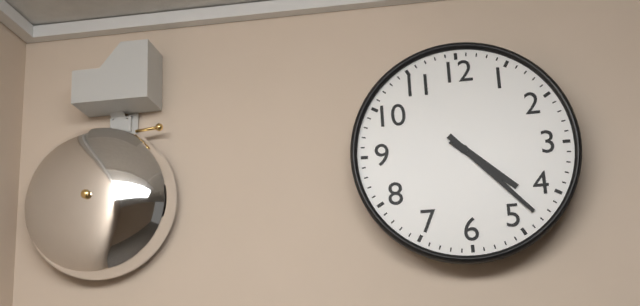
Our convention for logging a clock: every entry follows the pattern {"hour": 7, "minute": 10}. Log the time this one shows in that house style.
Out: {"hour": 4, "minute": 23}
